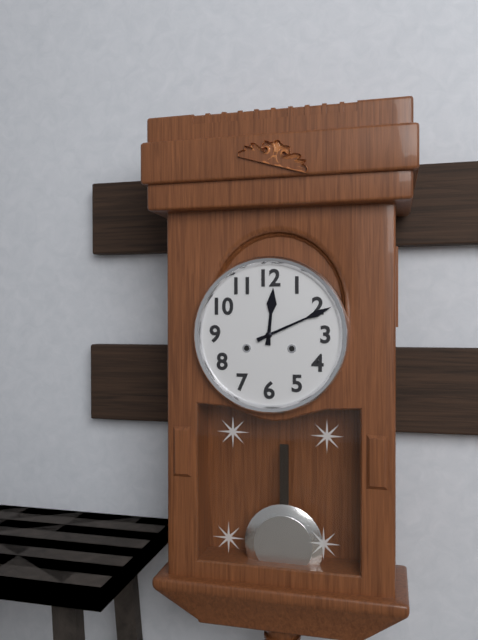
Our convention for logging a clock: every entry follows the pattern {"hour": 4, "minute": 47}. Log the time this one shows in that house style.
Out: {"hour": 12, "minute": 11}
